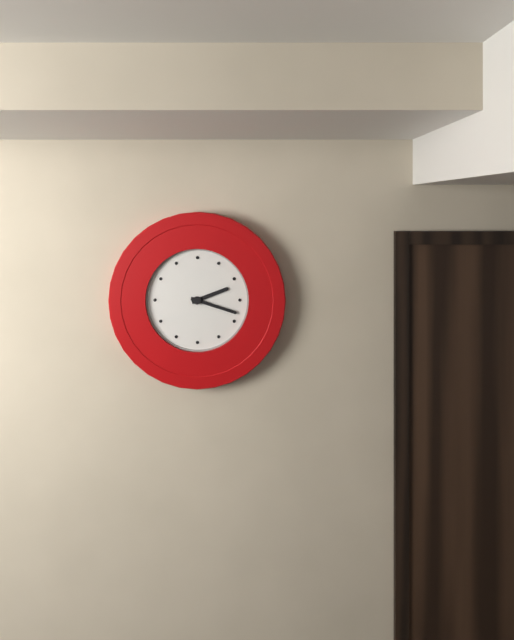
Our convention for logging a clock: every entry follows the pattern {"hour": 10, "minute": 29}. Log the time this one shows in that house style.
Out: {"hour": 2, "minute": 18}
